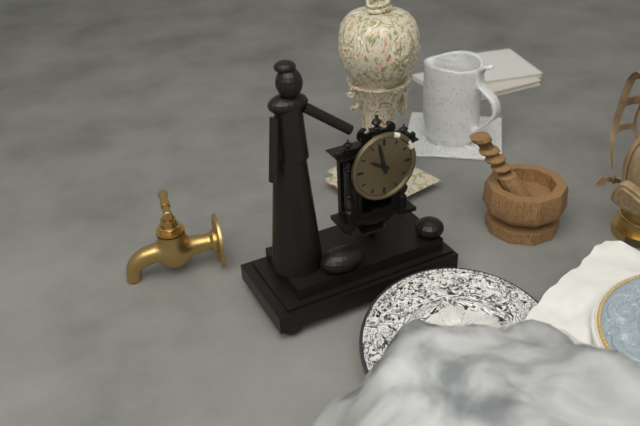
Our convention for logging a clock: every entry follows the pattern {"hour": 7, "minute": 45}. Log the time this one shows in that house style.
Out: {"hour": 9, "minute": 58}
